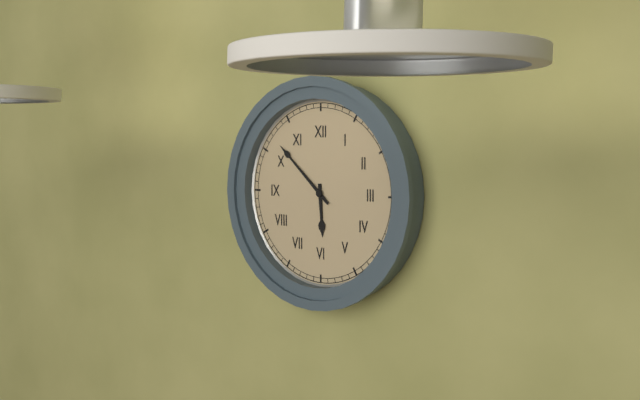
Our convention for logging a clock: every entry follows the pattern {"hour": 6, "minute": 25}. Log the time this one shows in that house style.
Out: {"hour": 5, "minute": 52}
